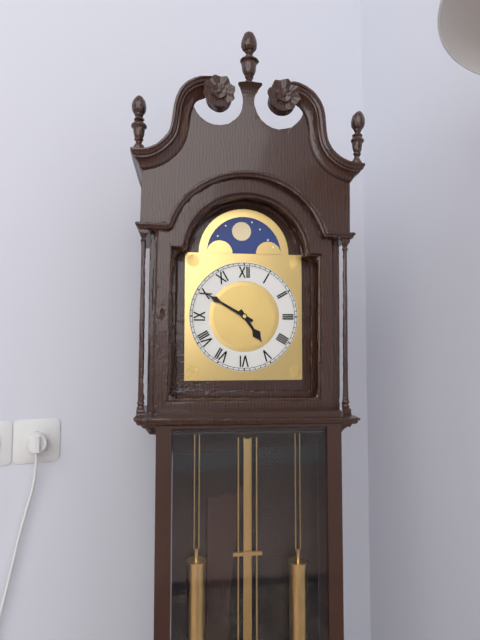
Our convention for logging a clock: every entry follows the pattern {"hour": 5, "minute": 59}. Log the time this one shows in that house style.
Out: {"hour": 4, "minute": 50}
